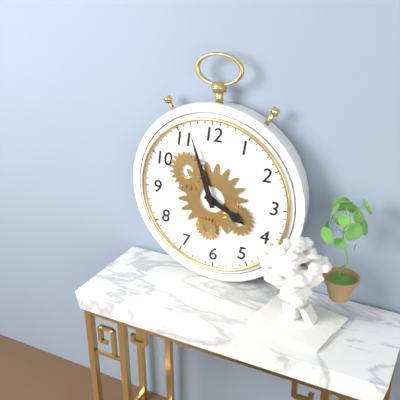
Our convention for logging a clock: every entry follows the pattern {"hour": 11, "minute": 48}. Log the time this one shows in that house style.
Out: {"hour": 3, "minute": 57}
